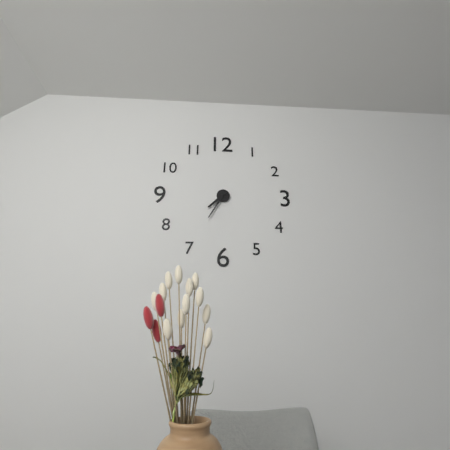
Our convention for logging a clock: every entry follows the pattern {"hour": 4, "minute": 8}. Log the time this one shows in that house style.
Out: {"hour": 7, "minute": 35}
